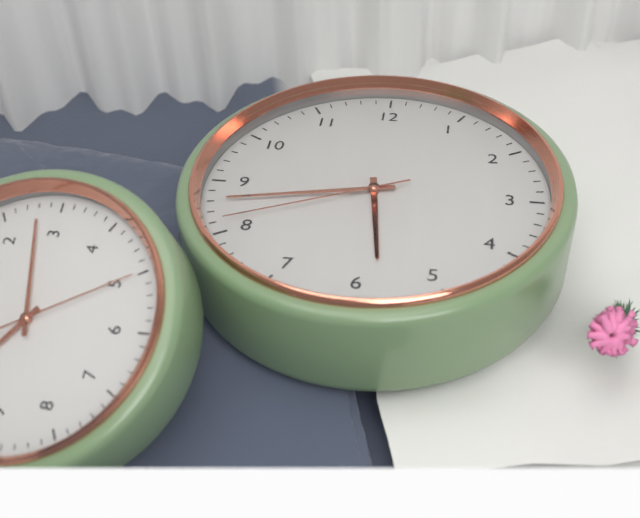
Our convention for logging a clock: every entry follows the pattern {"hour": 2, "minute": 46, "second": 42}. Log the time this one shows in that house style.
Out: {"hour": 5, "minute": 43, "second": 41}
